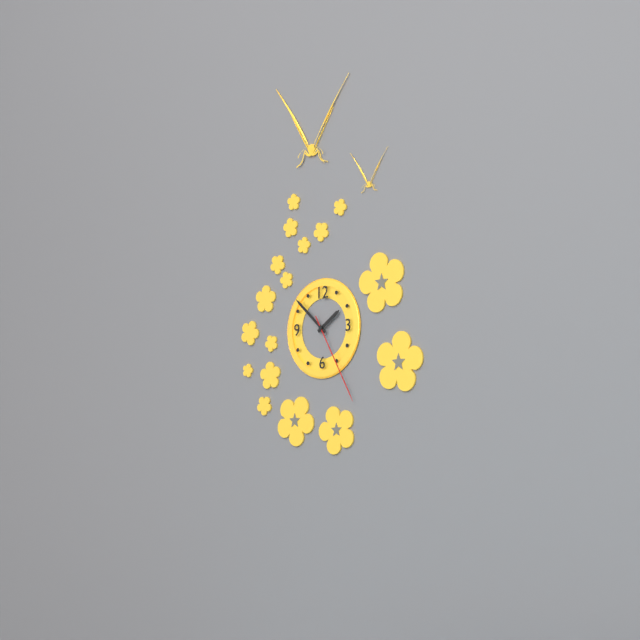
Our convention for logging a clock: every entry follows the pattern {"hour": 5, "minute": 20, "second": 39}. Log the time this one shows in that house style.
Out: {"hour": 1, "minute": 52, "second": 25}
